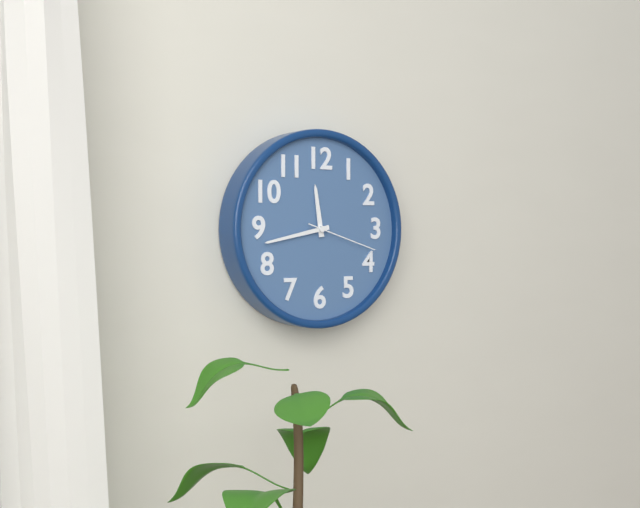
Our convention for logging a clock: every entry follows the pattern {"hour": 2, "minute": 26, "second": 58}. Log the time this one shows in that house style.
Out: {"hour": 11, "minute": 43, "second": 18}
